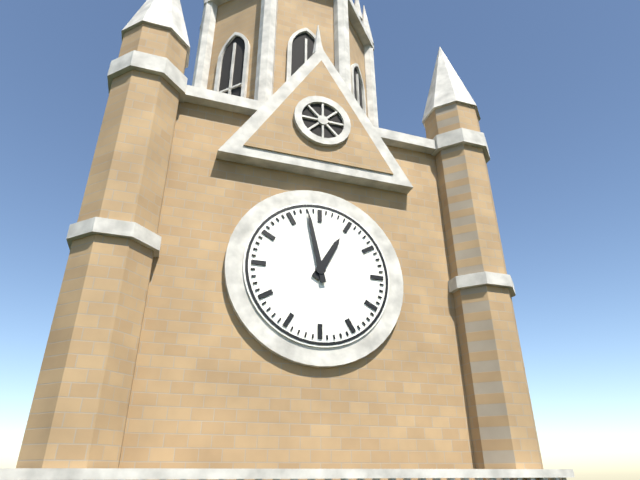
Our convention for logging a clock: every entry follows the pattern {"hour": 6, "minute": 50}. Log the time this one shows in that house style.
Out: {"hour": 12, "minute": 58}
